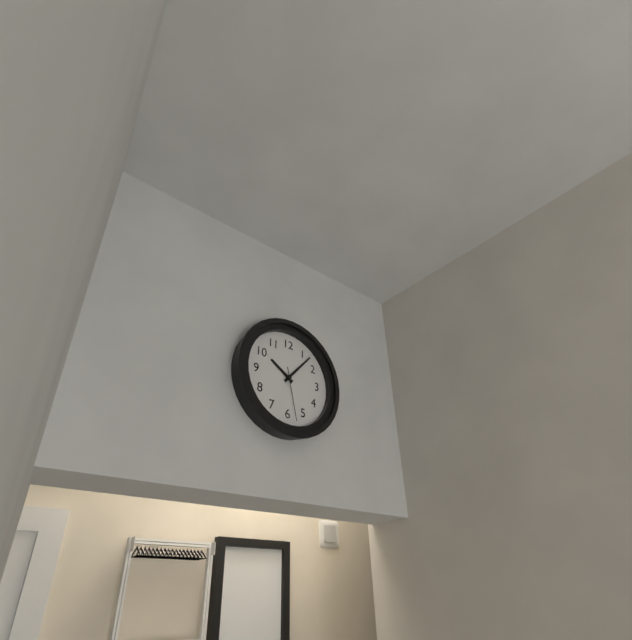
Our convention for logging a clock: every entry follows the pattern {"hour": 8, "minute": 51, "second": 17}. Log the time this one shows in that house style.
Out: {"hour": 10, "minute": 7, "second": 28}
